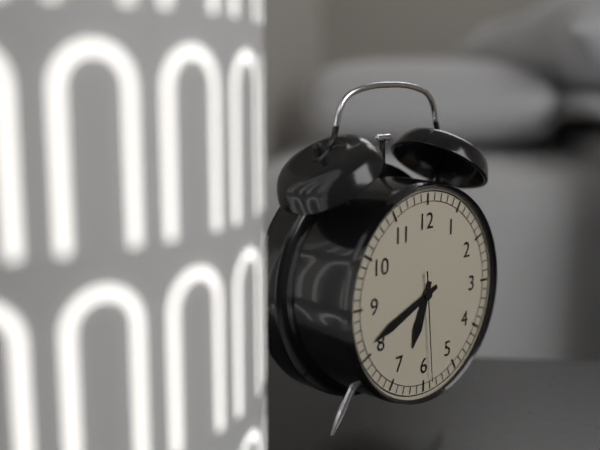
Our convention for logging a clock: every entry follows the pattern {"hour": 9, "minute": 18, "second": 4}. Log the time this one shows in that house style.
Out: {"hour": 6, "minute": 41, "second": 29}
